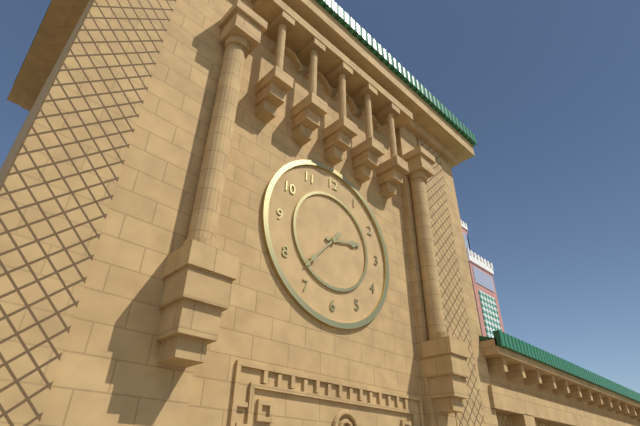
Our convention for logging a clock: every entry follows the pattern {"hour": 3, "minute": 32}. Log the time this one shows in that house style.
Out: {"hour": 2, "minute": 37}
